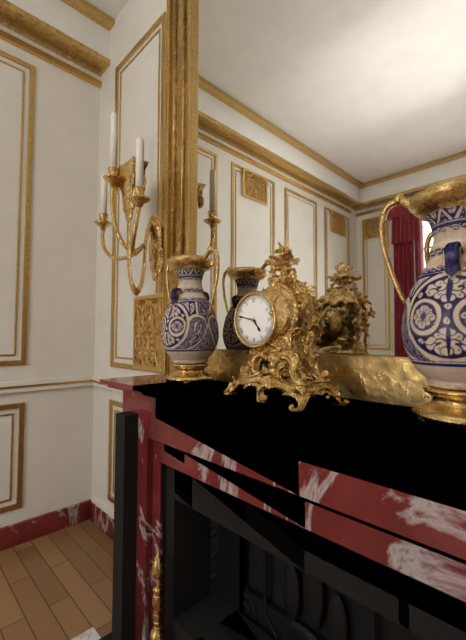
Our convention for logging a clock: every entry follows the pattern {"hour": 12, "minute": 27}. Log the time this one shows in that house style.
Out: {"hour": 4, "minute": 47}
